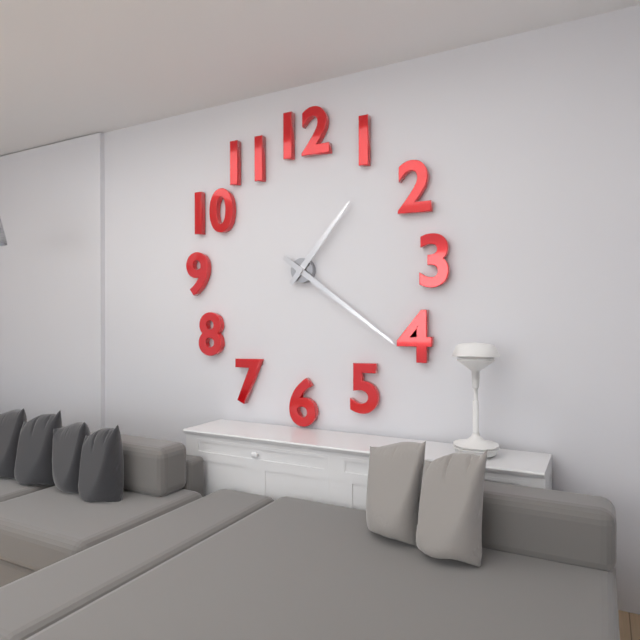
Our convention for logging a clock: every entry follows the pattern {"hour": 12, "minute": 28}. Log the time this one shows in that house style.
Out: {"hour": 1, "minute": 21}
